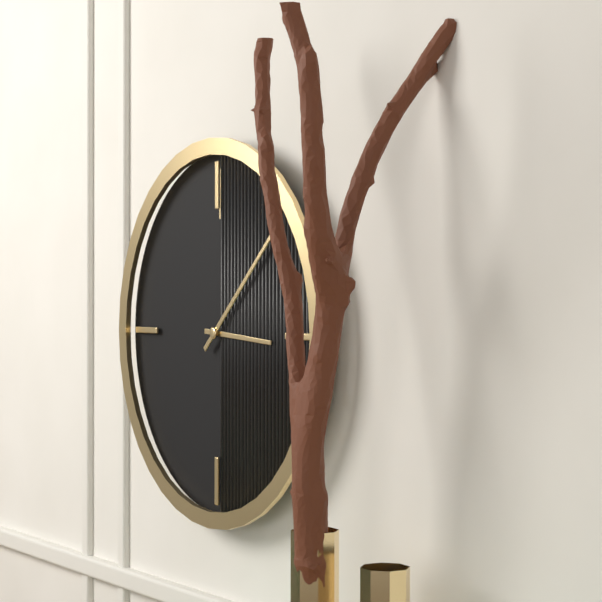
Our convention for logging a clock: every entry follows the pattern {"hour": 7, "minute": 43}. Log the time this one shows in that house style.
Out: {"hour": 3, "minute": 8}
